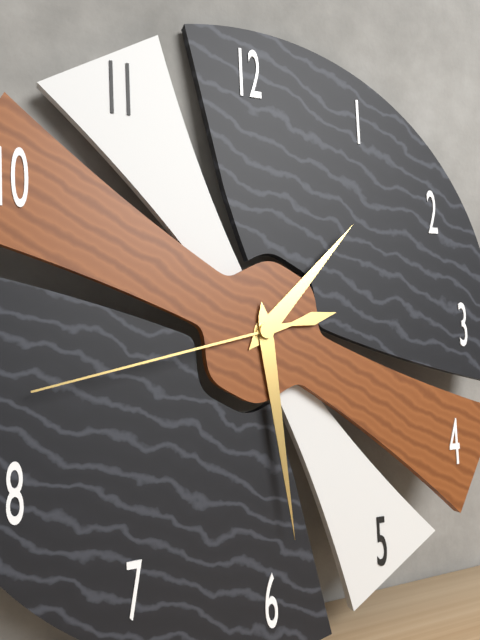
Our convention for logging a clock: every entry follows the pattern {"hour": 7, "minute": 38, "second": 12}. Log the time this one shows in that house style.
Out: {"hour": 1, "minute": 29, "second": 43}
